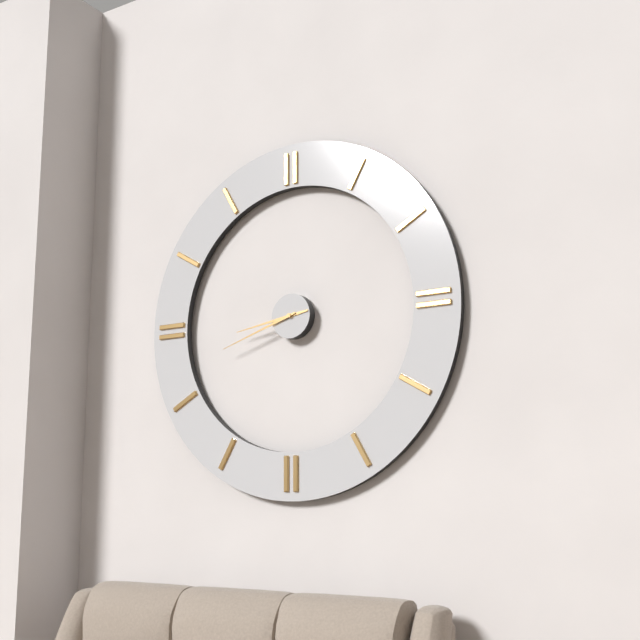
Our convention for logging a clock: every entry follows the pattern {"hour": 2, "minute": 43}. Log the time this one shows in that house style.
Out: {"hour": 8, "minute": 42}
